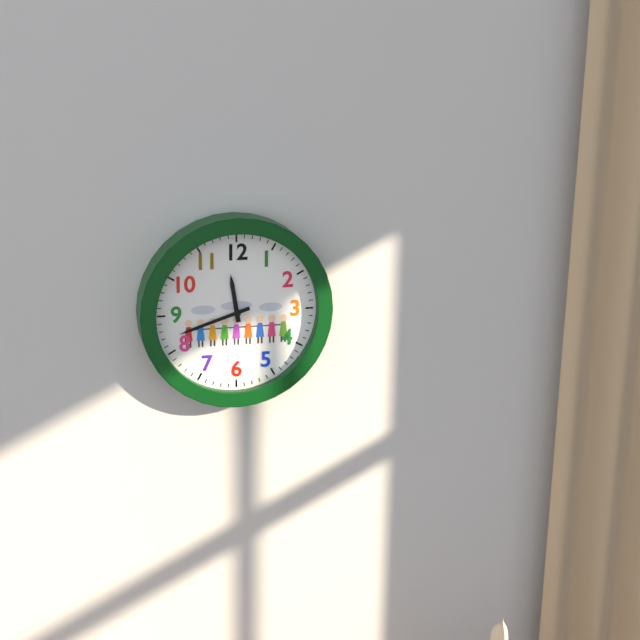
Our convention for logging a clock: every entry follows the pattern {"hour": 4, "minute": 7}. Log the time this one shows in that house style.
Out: {"hour": 11, "minute": 42}
